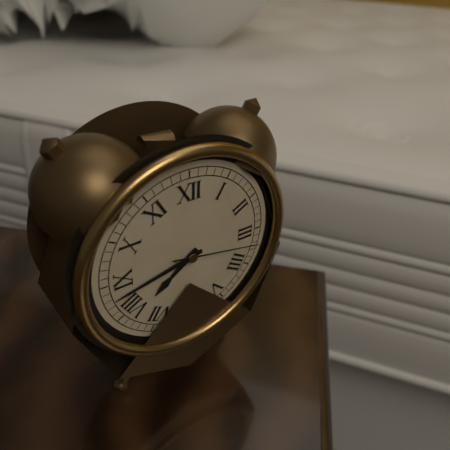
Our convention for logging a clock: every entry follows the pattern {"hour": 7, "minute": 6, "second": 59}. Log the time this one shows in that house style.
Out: {"hour": 7, "minute": 43, "second": 17}
